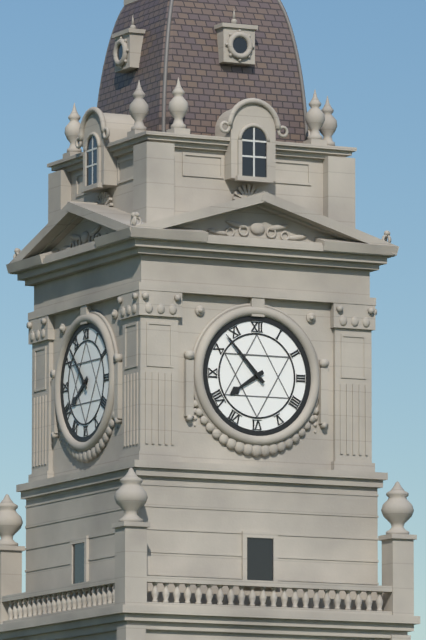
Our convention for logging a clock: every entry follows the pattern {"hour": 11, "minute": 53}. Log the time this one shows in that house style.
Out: {"hour": 7, "minute": 53}
